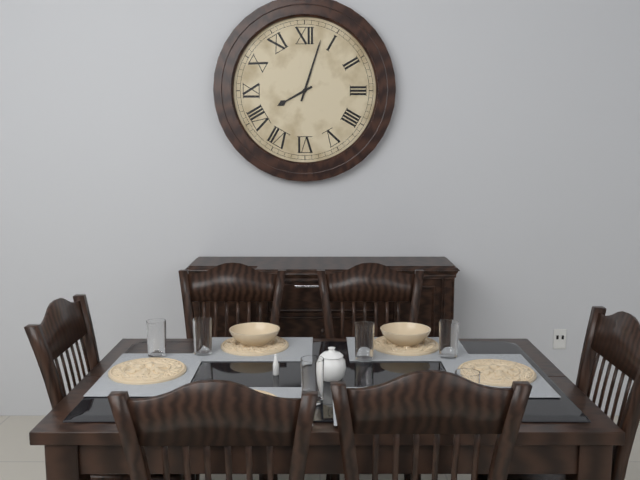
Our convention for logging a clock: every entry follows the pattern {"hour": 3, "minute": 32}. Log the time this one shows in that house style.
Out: {"hour": 8, "minute": 3}
